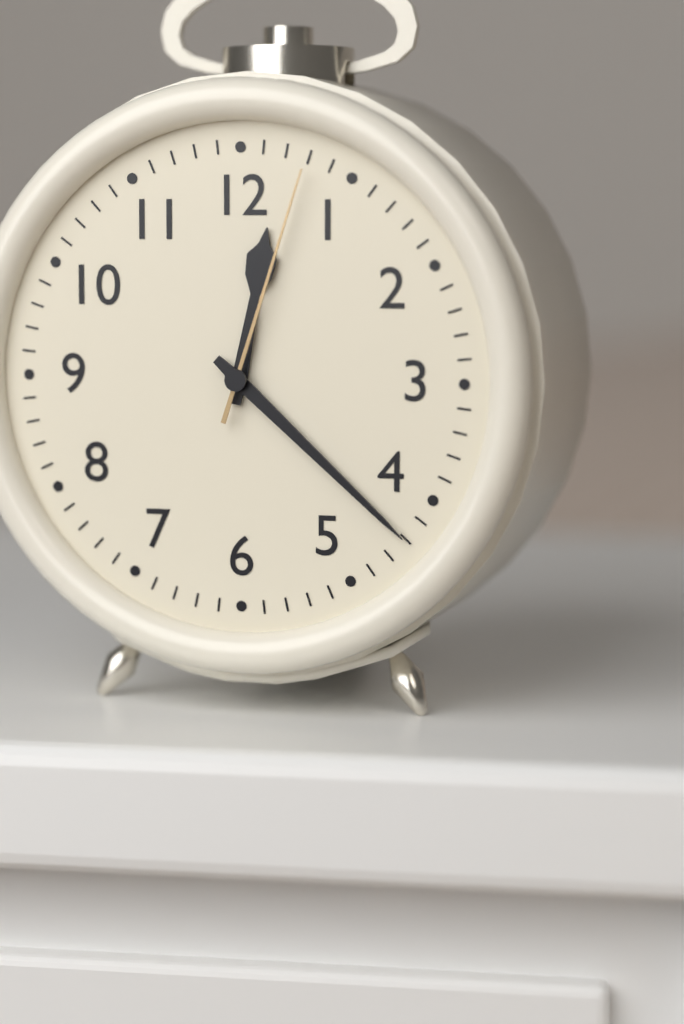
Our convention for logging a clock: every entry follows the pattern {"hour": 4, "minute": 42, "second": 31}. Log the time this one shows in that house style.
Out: {"hour": 12, "minute": 22, "second": 3}
